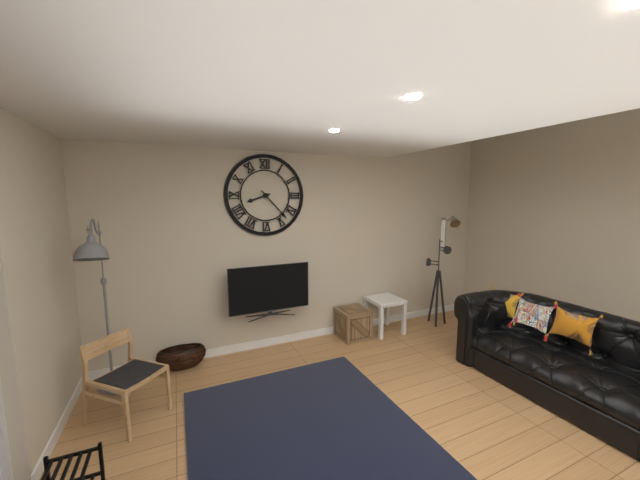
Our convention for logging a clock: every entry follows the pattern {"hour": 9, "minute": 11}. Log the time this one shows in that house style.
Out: {"hour": 8, "minute": 23}
